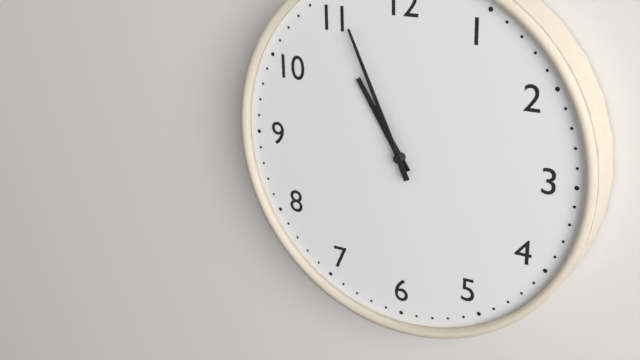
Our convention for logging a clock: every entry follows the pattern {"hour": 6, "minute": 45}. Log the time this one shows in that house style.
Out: {"hour": 10, "minute": 56}
